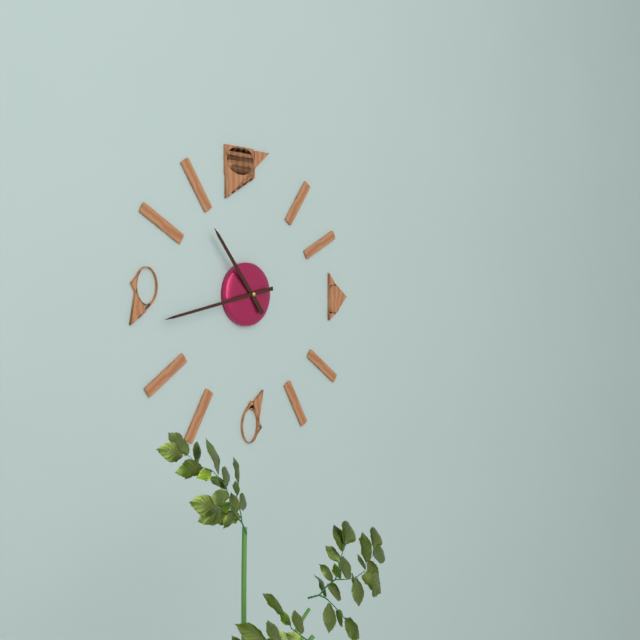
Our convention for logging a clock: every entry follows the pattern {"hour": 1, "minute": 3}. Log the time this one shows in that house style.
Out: {"hour": 10, "minute": 43}
